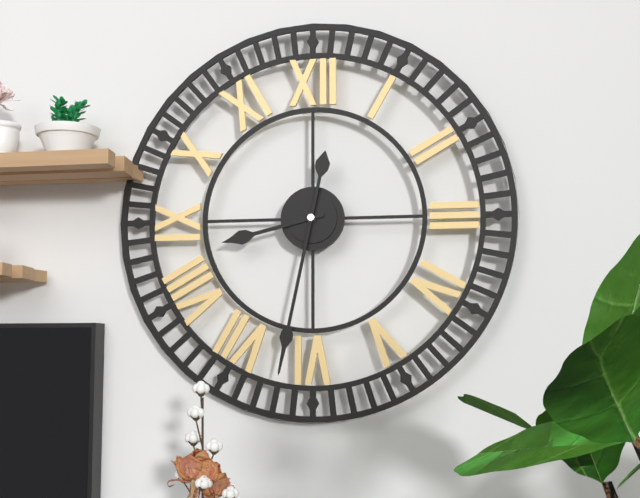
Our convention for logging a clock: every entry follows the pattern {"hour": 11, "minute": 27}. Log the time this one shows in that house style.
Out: {"hour": 8, "minute": 32}
